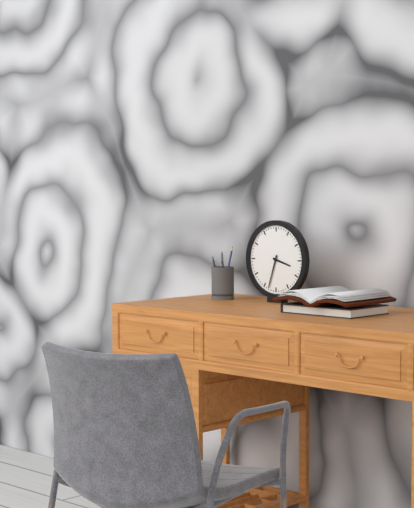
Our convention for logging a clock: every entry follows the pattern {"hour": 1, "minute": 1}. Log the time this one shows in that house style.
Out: {"hour": 3, "minute": 33}
